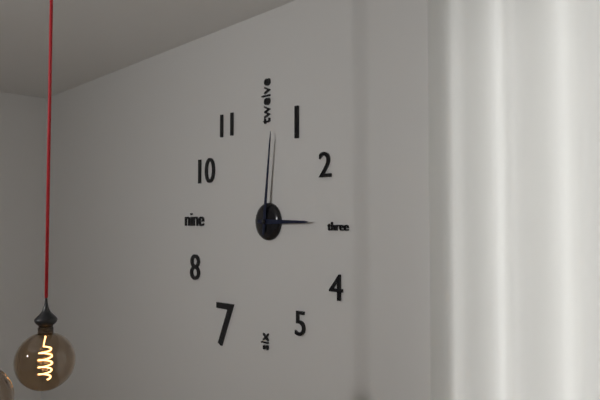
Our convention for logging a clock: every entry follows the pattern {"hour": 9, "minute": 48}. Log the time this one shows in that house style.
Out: {"hour": 3, "minute": 1}
